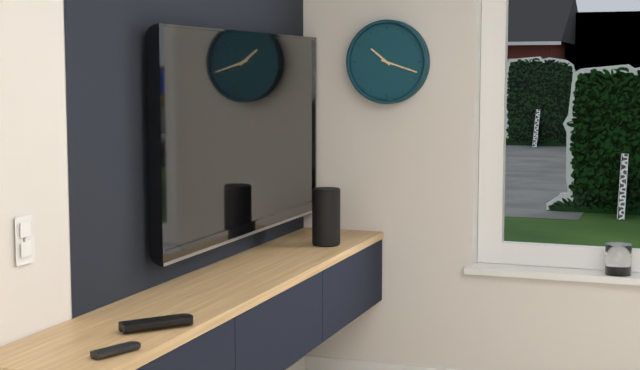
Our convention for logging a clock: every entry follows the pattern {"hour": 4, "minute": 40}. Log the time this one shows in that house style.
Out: {"hour": 10, "minute": 18}
